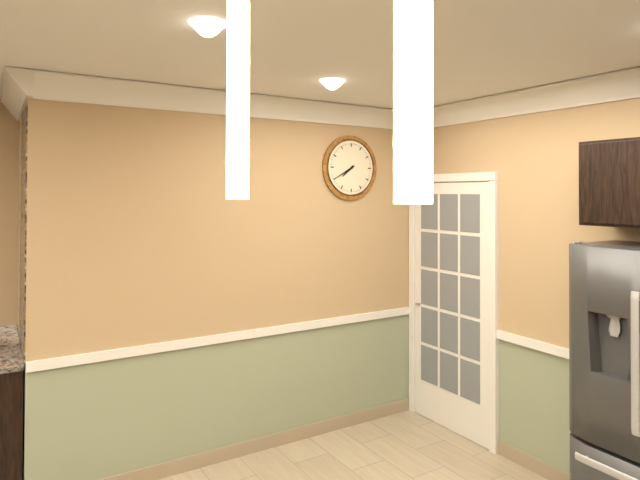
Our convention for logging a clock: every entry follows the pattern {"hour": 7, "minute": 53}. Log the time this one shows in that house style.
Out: {"hour": 7, "minute": 40}
